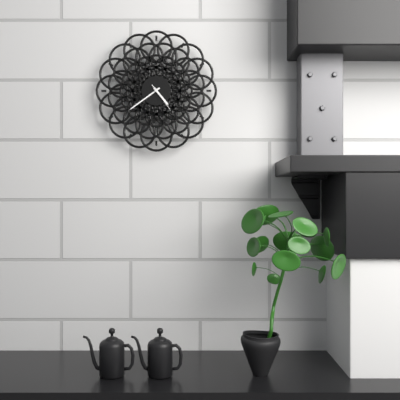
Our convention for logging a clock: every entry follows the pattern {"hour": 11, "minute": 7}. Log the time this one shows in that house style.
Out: {"hour": 4, "minute": 39}
